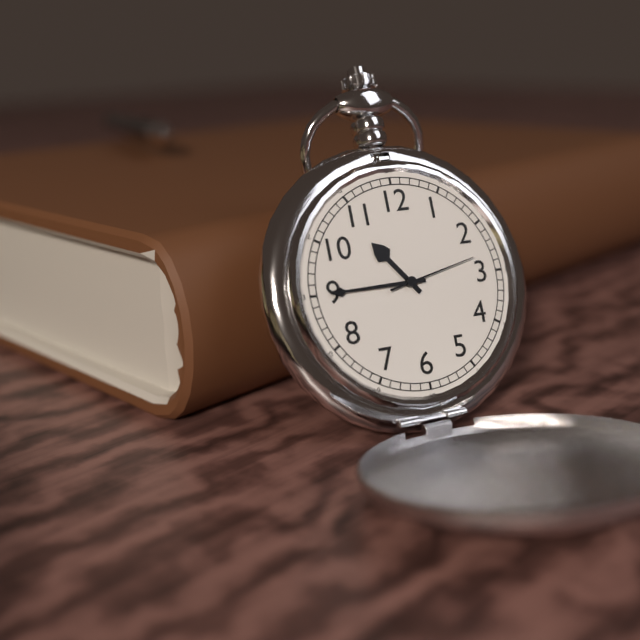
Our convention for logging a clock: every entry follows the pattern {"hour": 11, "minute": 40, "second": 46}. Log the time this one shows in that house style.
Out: {"hour": 10, "minute": 45, "second": 13}
